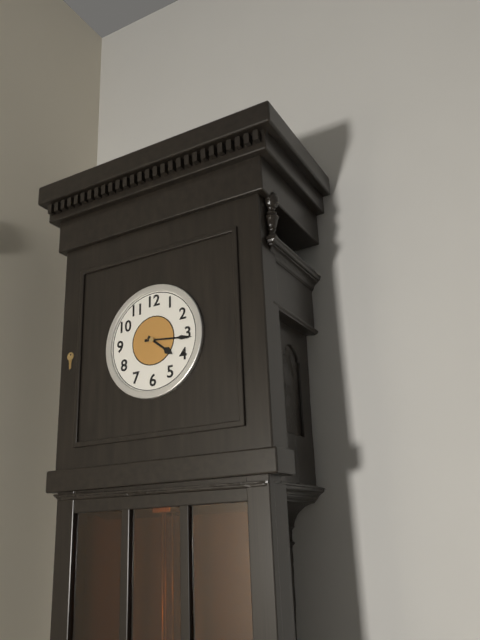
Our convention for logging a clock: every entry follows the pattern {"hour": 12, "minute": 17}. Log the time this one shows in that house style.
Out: {"hour": 4, "minute": 16}
